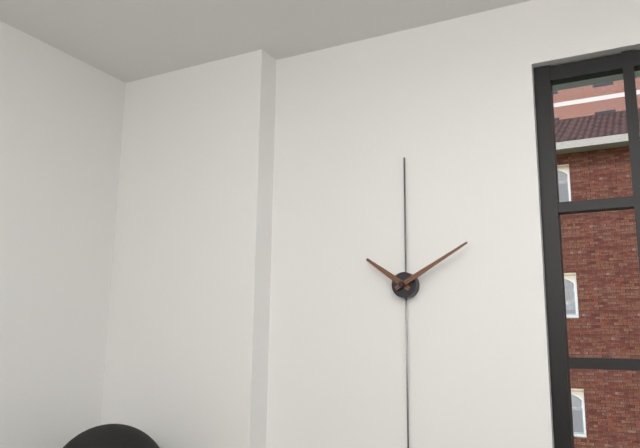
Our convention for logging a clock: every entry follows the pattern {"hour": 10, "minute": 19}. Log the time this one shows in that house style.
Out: {"hour": 10, "minute": 10}
